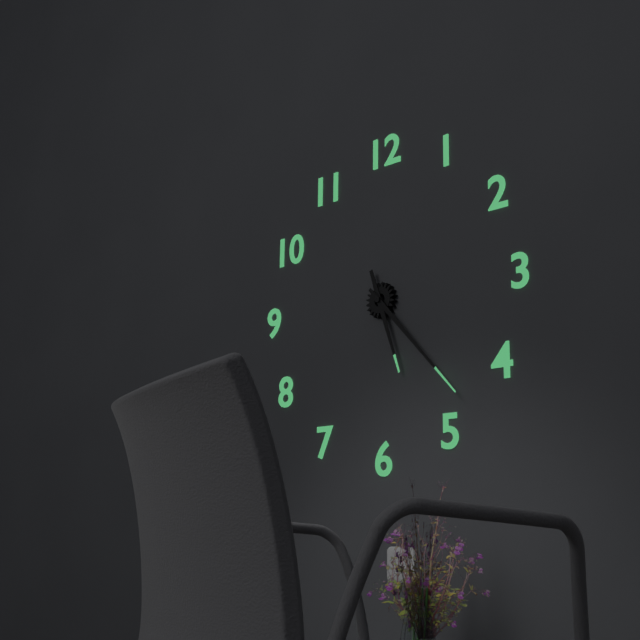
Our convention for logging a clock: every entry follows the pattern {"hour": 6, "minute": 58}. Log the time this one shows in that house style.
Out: {"hour": 5, "minute": 23}
